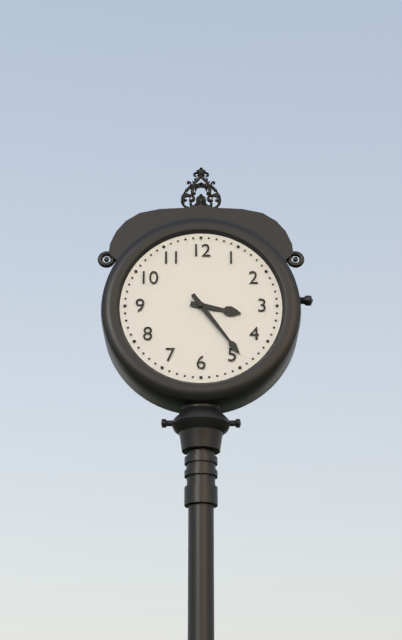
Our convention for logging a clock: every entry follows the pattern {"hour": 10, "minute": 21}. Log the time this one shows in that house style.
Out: {"hour": 3, "minute": 24}
